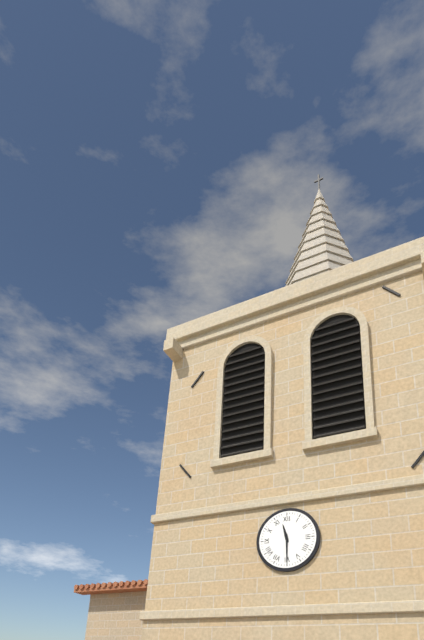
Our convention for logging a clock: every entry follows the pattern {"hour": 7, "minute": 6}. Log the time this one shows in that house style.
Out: {"hour": 11, "minute": 30}
